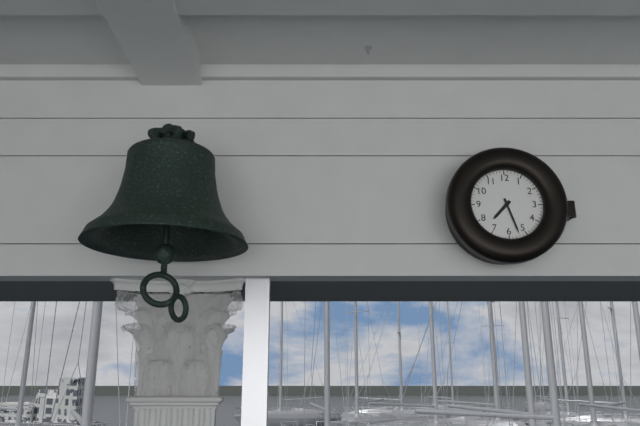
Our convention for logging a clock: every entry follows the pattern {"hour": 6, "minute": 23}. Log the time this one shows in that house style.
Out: {"hour": 7, "minute": 27}
